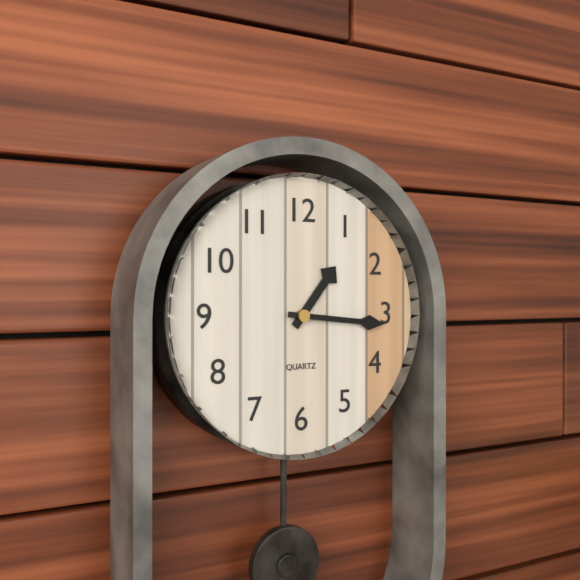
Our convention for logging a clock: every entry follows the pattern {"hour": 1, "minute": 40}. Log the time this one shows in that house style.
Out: {"hour": 1, "minute": 16}
